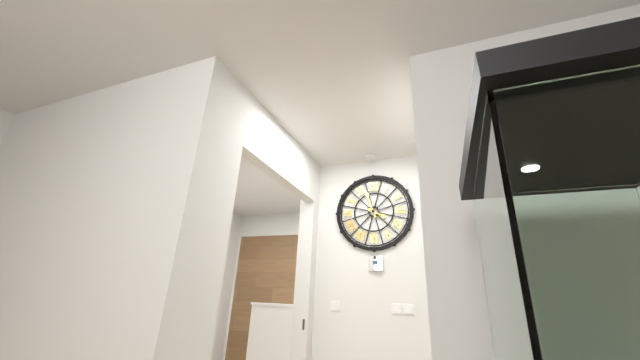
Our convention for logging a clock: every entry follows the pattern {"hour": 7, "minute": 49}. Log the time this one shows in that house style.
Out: {"hour": 3, "minute": 57}
